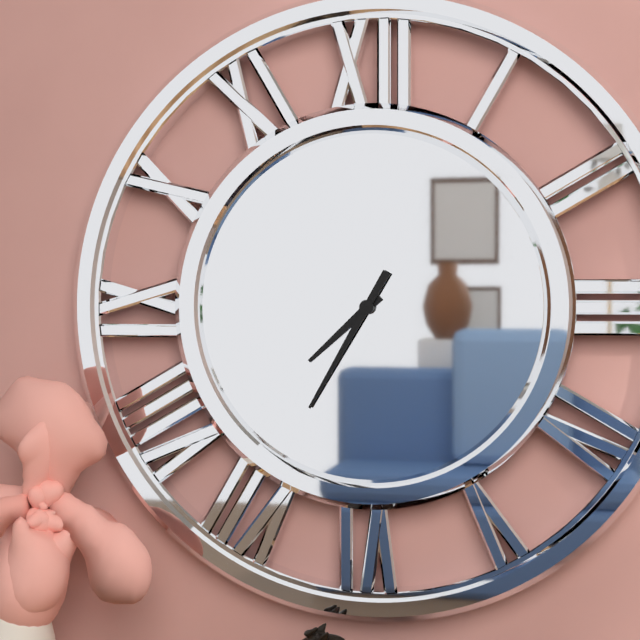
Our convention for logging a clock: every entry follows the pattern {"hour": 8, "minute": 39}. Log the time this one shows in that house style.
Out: {"hour": 7, "minute": 35}
